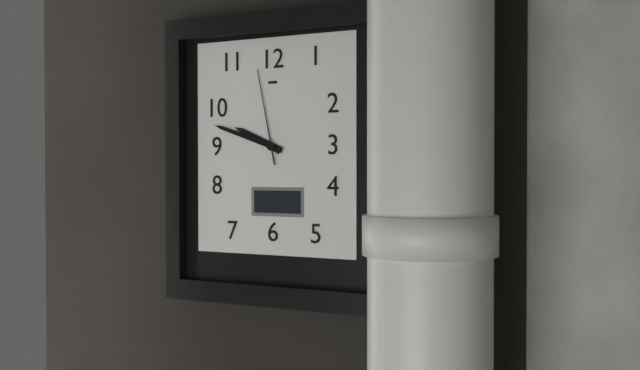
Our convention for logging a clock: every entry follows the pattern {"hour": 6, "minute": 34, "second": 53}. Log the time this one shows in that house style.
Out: {"hour": 9, "minute": 48, "second": 58}
